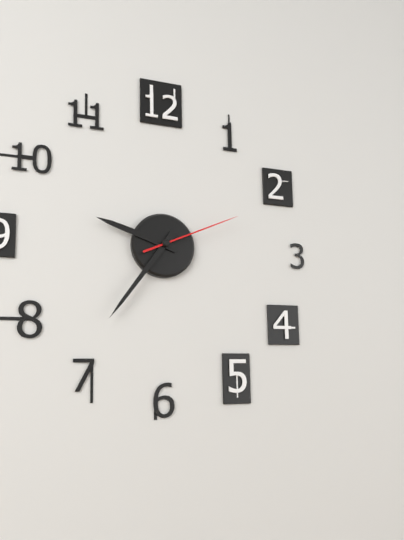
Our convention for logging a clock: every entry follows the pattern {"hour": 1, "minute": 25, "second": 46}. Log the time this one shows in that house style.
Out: {"hour": 9, "minute": 36, "second": 11}
